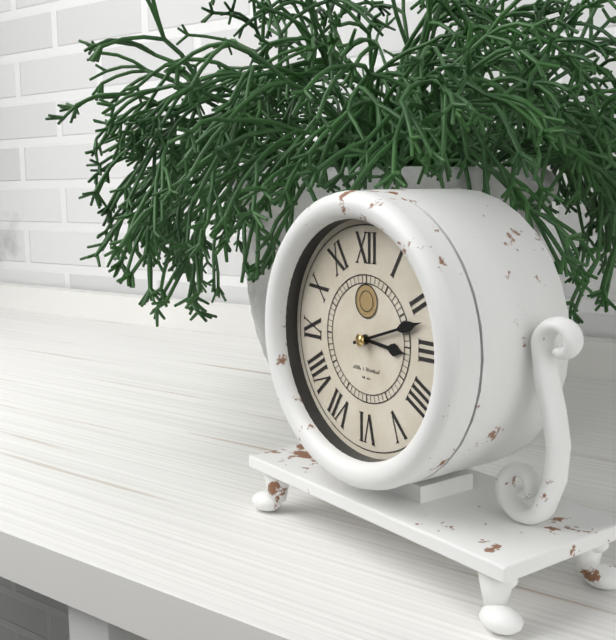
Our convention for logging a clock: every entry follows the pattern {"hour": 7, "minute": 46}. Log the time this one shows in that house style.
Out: {"hour": 3, "minute": 12}
